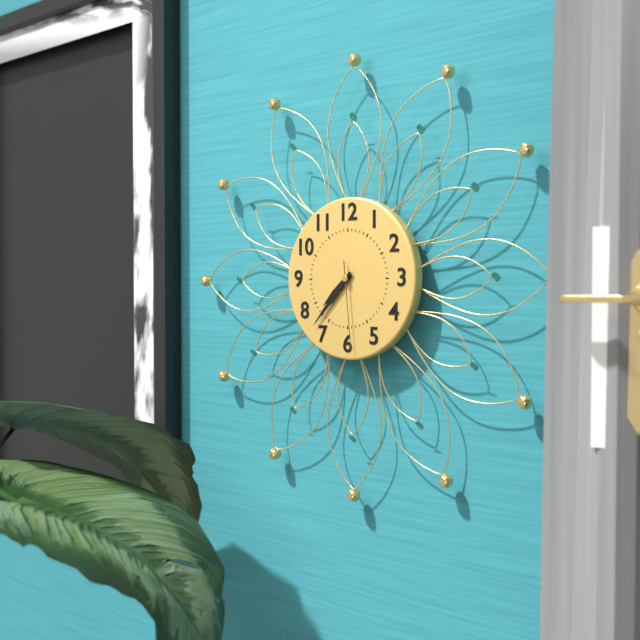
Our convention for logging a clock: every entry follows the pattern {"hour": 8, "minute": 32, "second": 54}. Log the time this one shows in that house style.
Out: {"hour": 7, "minute": 37, "second": 29}
